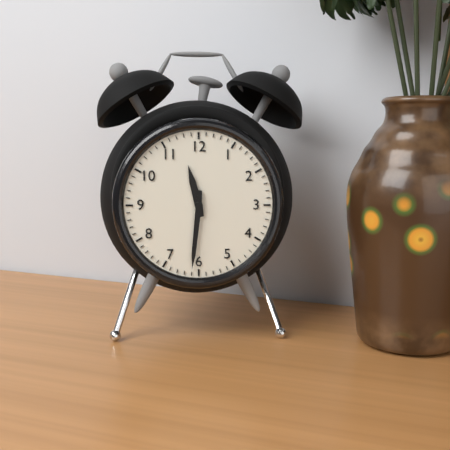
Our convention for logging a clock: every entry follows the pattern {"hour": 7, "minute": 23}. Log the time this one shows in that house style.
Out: {"hour": 11, "minute": 31}
